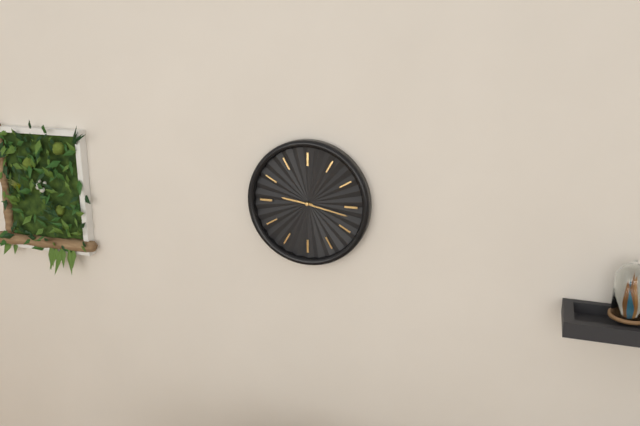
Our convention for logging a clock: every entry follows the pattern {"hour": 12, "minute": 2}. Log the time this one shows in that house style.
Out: {"hour": 9, "minute": 17}
